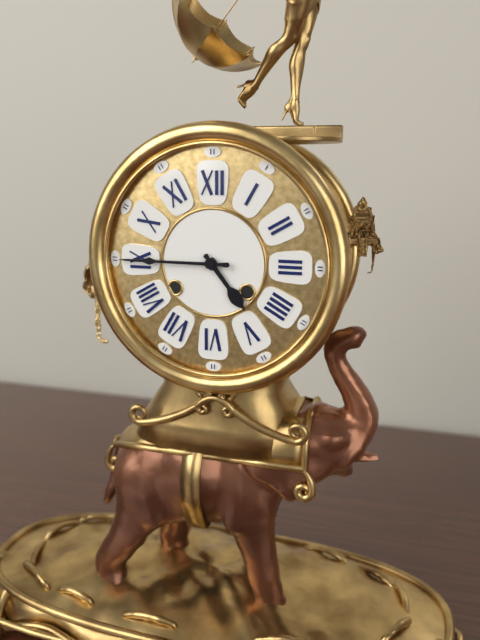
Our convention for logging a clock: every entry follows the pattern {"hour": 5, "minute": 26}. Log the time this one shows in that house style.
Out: {"hour": 4, "minute": 45}
